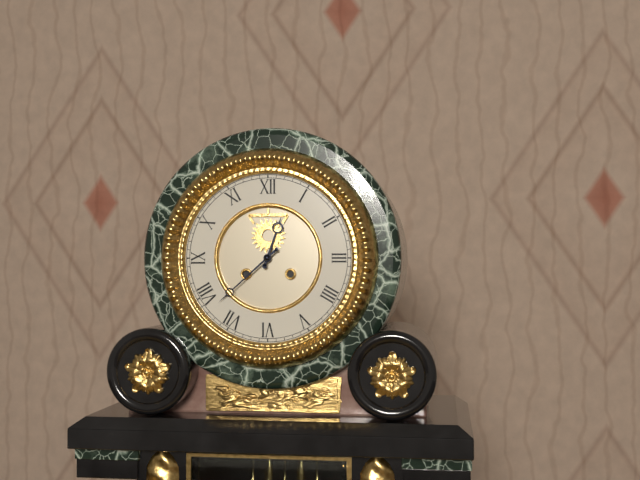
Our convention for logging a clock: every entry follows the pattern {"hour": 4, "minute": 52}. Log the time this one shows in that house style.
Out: {"hour": 12, "minute": 38}
